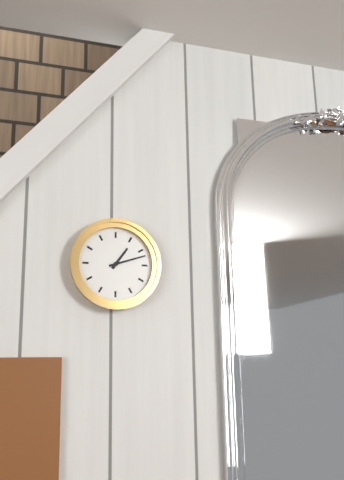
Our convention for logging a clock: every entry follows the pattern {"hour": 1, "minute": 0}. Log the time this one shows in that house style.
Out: {"hour": 1, "minute": 12}
